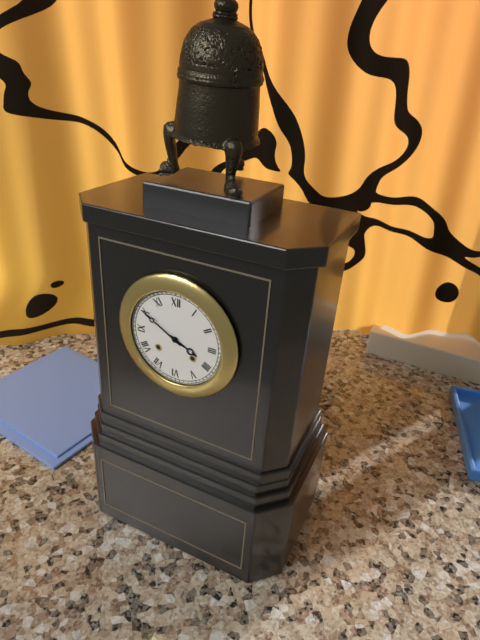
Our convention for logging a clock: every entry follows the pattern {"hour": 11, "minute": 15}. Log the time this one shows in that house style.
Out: {"hour": 3, "minute": 50}
